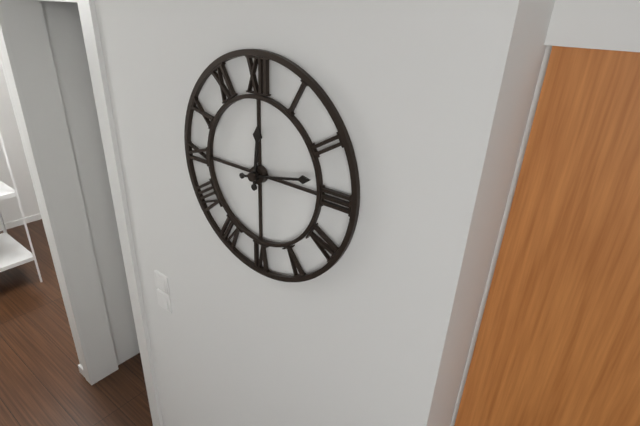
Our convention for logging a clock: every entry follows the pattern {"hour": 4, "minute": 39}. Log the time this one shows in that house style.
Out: {"hour": 12, "minute": 13}
